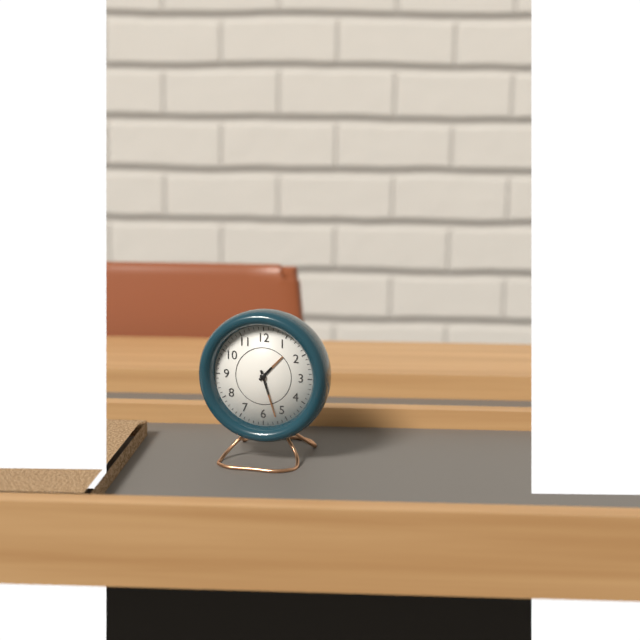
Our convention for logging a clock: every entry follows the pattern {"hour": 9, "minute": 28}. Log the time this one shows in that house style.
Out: {"hour": 1, "minute": 27}
